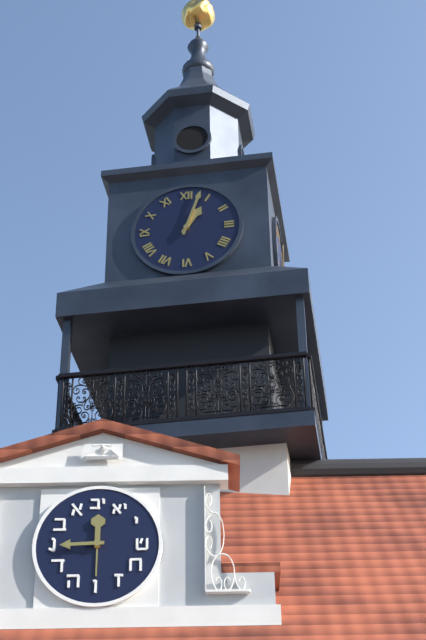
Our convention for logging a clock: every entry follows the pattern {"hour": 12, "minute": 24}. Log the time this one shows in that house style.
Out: {"hour": 1, "minute": 3}
